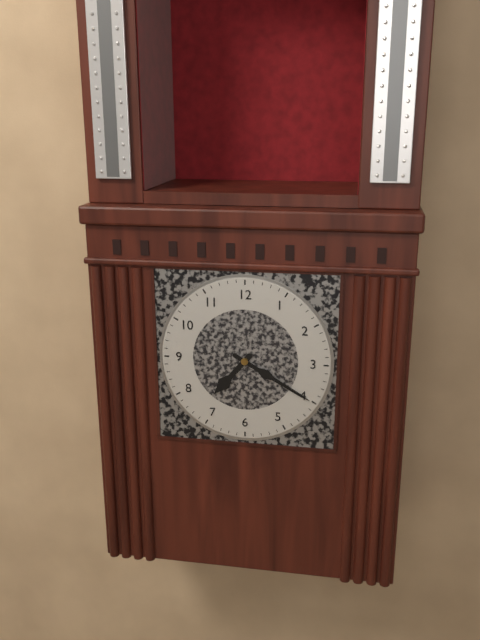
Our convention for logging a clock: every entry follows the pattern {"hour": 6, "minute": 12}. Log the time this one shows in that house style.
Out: {"hour": 7, "minute": 20}
